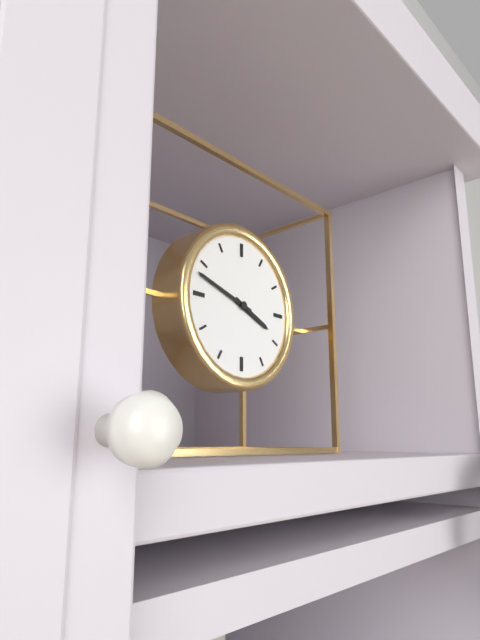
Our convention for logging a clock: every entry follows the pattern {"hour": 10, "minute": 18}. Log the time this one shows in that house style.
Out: {"hour": 3, "minute": 48}
